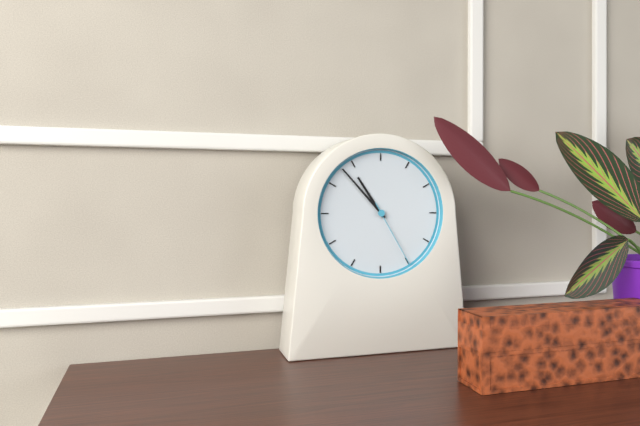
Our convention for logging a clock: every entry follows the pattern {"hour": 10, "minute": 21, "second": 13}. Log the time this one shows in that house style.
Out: {"hour": 10, "minute": 53, "second": 25}
